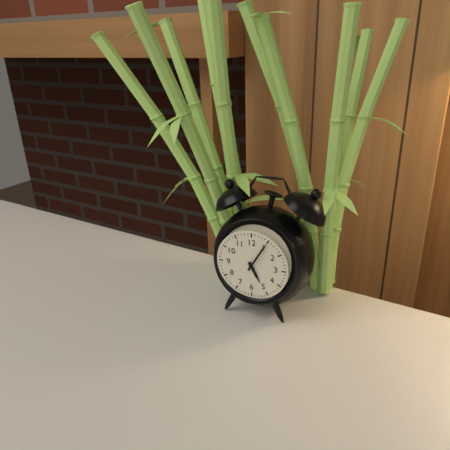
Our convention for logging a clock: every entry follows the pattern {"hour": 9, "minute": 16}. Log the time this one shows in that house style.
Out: {"hour": 5, "minute": 5}
